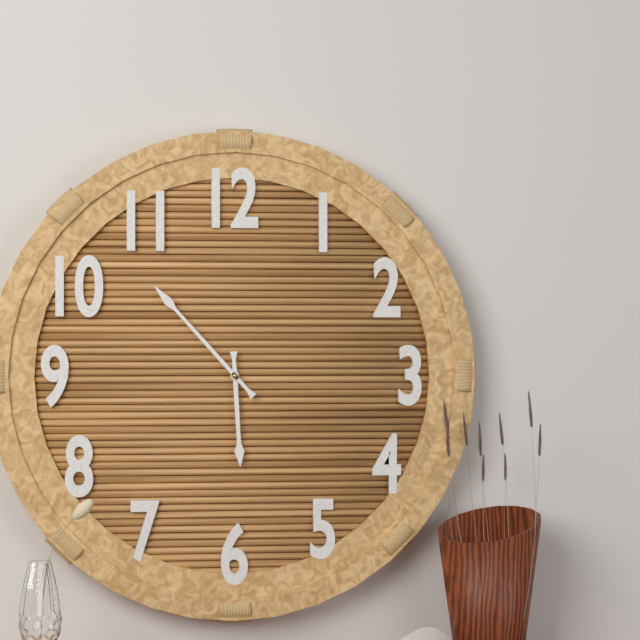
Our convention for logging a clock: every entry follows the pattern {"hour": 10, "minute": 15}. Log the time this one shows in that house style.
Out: {"hour": 5, "minute": 53}
